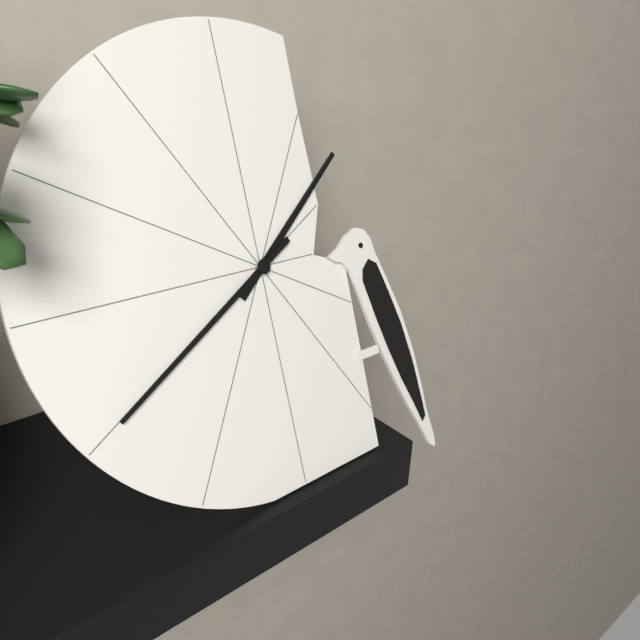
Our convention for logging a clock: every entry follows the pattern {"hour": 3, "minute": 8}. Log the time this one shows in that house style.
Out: {"hour": 1, "minute": 40}
